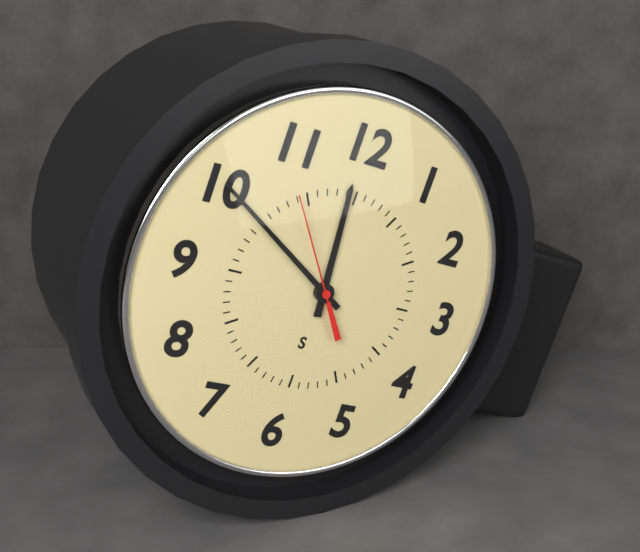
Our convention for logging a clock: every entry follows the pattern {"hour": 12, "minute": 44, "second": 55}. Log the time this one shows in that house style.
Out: {"hour": 11, "minute": 50, "second": 54}
